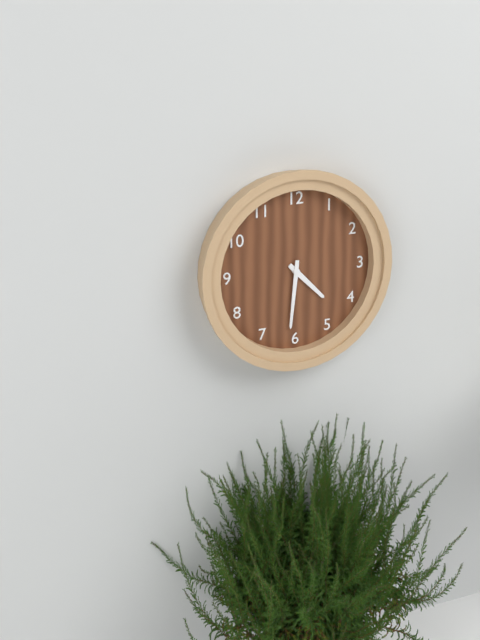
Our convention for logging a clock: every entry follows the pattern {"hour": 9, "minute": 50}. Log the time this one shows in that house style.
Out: {"hour": 4, "minute": 31}
